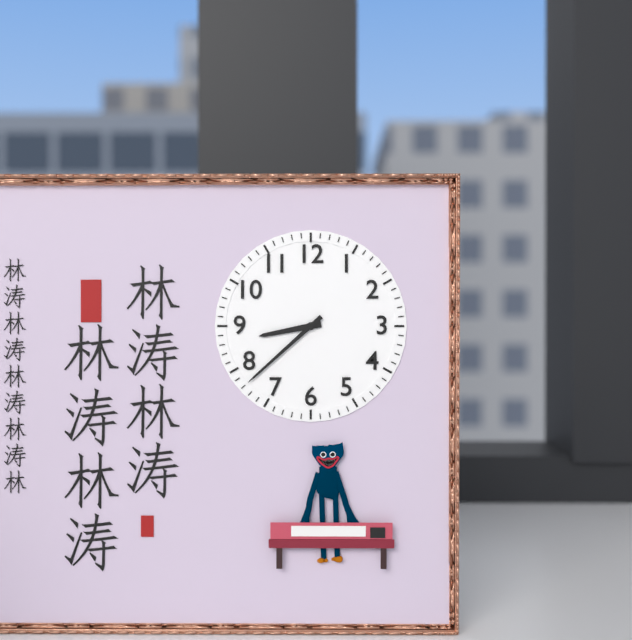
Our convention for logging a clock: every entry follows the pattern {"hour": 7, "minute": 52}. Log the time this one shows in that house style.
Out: {"hour": 8, "minute": 38}
